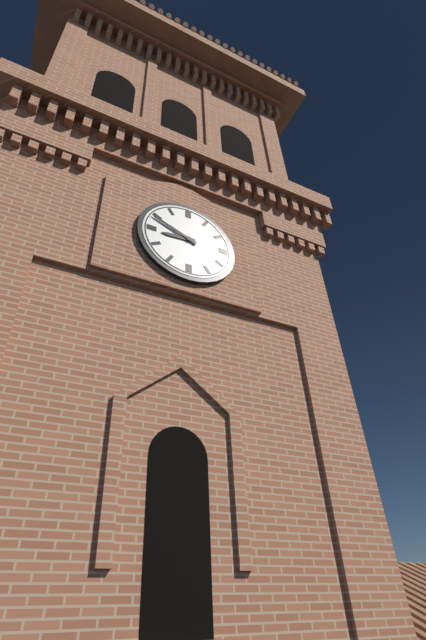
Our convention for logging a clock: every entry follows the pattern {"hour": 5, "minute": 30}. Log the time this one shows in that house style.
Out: {"hour": 8, "minute": 49}
